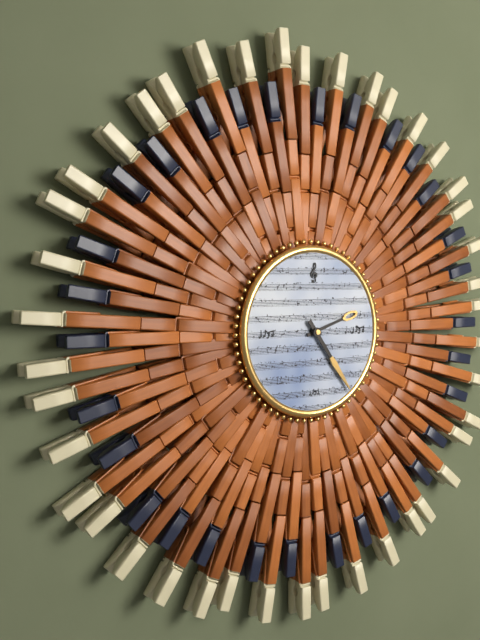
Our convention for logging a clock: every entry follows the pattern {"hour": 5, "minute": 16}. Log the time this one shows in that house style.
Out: {"hour": 2, "minute": 24}
